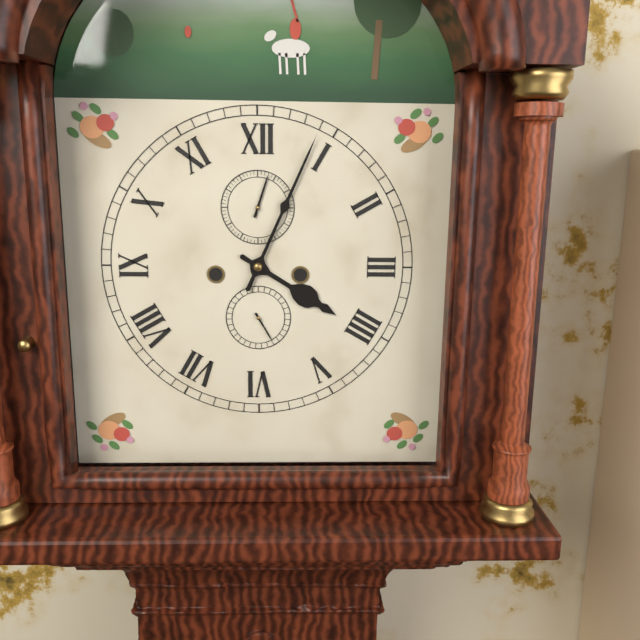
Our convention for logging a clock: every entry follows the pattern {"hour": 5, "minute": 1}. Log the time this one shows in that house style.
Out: {"hour": 4, "minute": 4}
